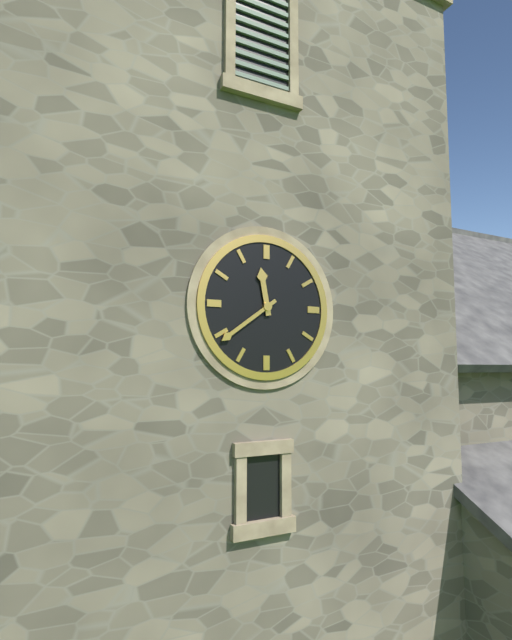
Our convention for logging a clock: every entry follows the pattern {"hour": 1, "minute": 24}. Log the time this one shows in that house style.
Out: {"hour": 11, "minute": 39}
